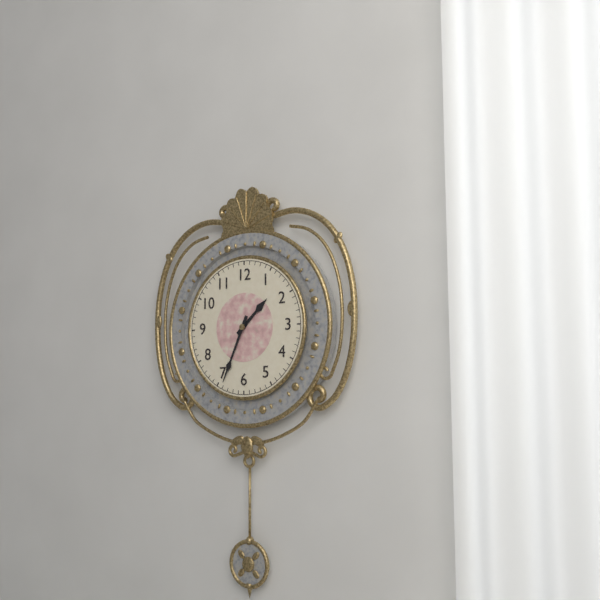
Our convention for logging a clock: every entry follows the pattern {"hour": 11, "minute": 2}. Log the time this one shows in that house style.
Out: {"hour": 1, "minute": 34}
